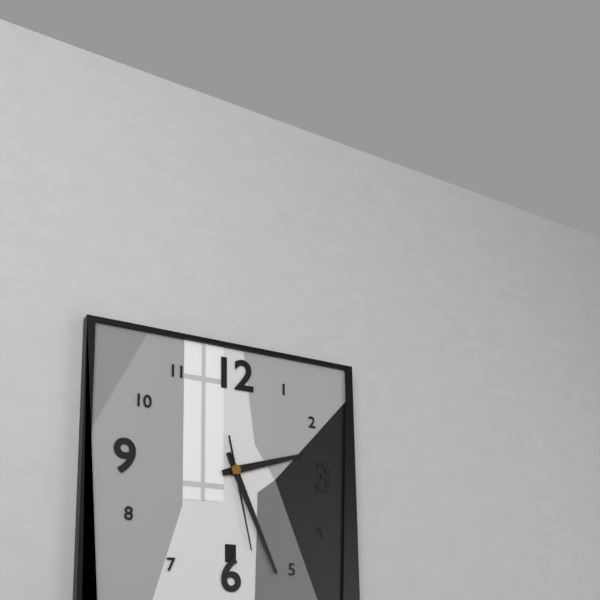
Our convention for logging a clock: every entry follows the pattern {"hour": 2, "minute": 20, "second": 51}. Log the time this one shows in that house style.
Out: {"hour": 2, "minute": 26, "second": 28}
